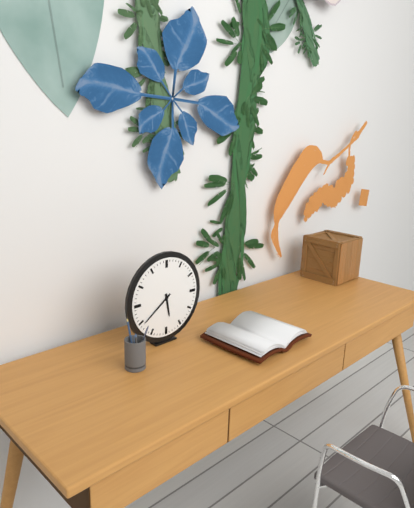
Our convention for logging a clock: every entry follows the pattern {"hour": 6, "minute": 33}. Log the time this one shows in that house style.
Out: {"hour": 5, "minute": 39}
